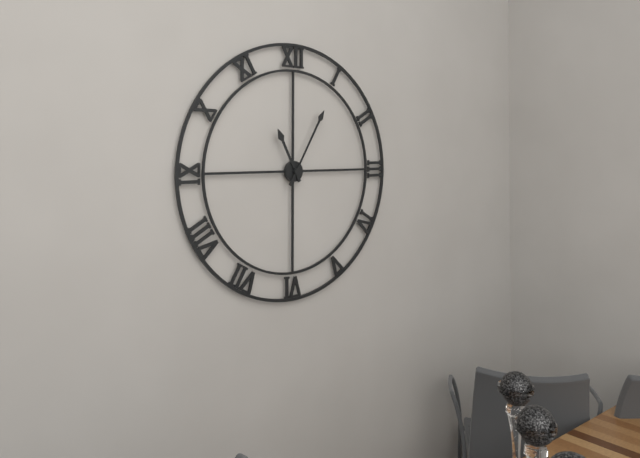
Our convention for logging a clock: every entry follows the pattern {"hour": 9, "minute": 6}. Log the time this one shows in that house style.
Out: {"hour": 11, "minute": 5}
